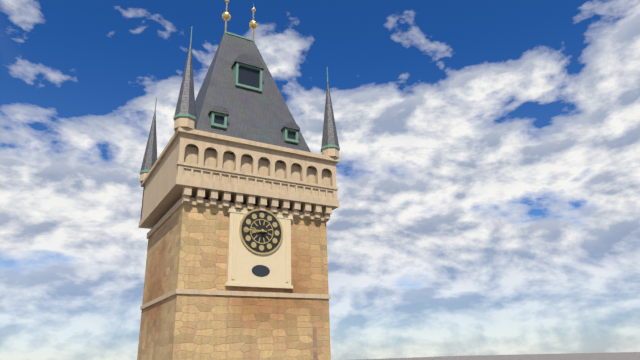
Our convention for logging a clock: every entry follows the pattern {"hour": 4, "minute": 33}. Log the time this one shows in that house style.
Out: {"hour": 8, "minute": 45}
